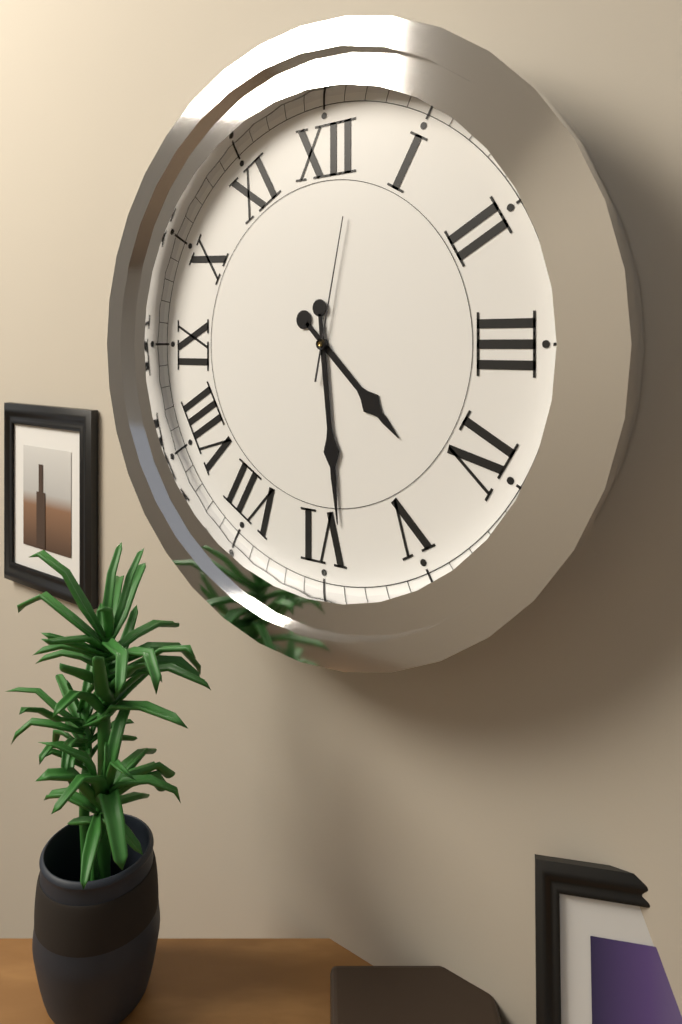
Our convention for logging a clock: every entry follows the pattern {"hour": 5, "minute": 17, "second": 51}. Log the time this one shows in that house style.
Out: {"hour": 4, "minute": 29, "second": 2}
